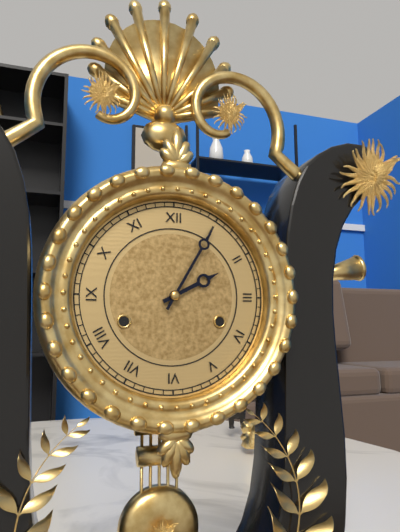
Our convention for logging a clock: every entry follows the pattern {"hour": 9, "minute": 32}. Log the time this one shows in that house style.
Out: {"hour": 2, "minute": 5}
